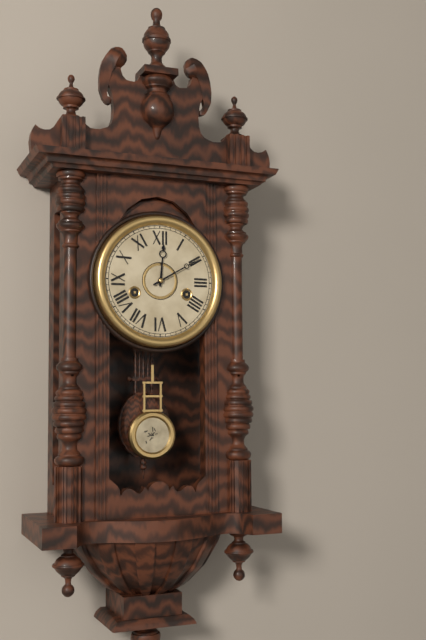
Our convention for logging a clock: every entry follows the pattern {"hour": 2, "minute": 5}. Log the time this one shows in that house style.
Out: {"hour": 12, "minute": 10}
